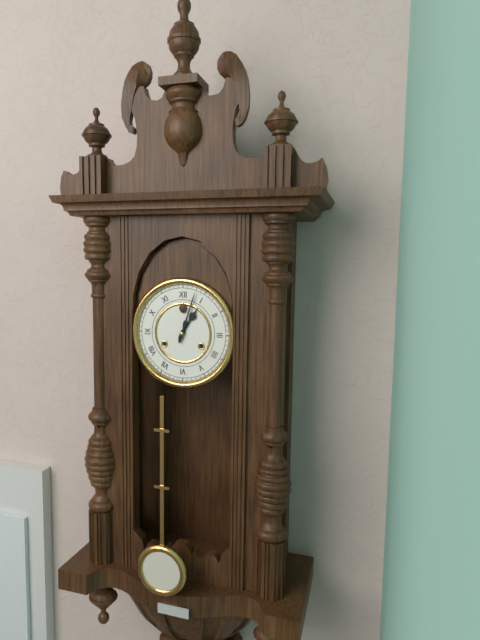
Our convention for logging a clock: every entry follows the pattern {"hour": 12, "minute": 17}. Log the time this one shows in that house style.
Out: {"hour": 1, "minute": 3}
